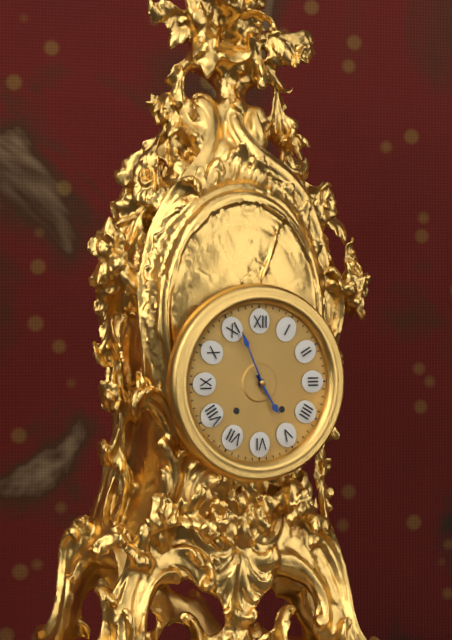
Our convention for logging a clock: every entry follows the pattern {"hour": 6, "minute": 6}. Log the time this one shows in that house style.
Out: {"hour": 4, "minute": 56}
